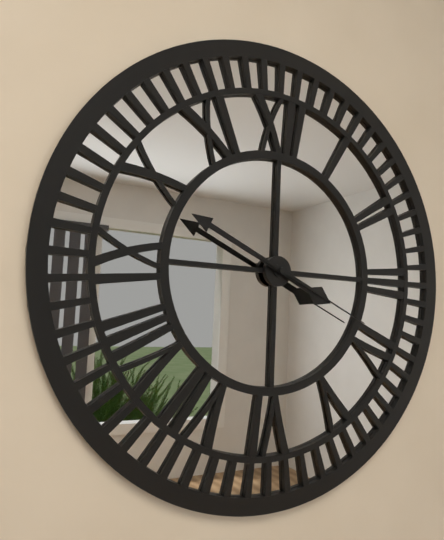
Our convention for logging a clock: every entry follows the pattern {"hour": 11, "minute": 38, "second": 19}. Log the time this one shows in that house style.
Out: {"hour": 3, "minute": 49, "second": 19}
